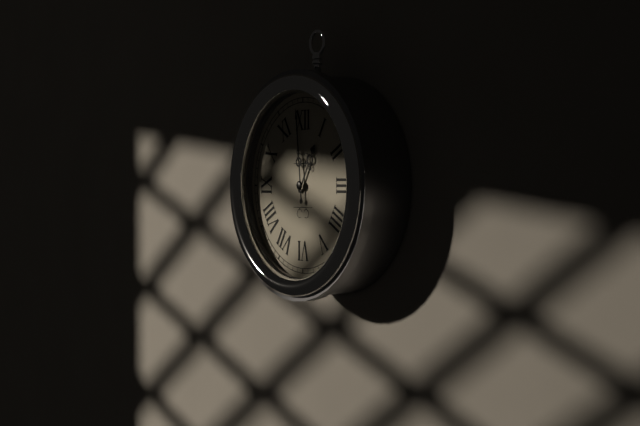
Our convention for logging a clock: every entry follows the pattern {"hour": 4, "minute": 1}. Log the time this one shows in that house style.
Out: {"hour": 12, "minute": 59}
